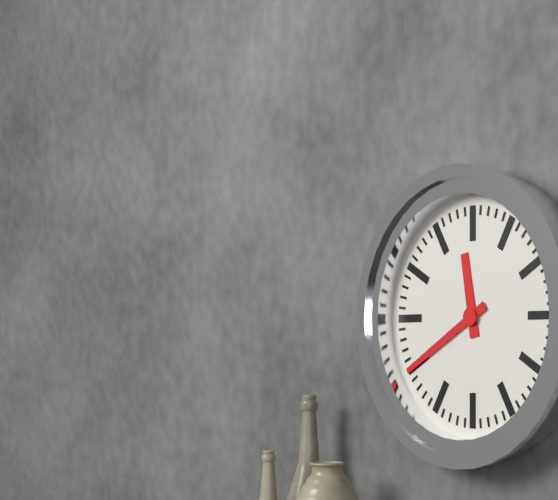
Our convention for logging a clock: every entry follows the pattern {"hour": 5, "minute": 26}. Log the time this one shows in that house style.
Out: {"hour": 11, "minute": 40}
